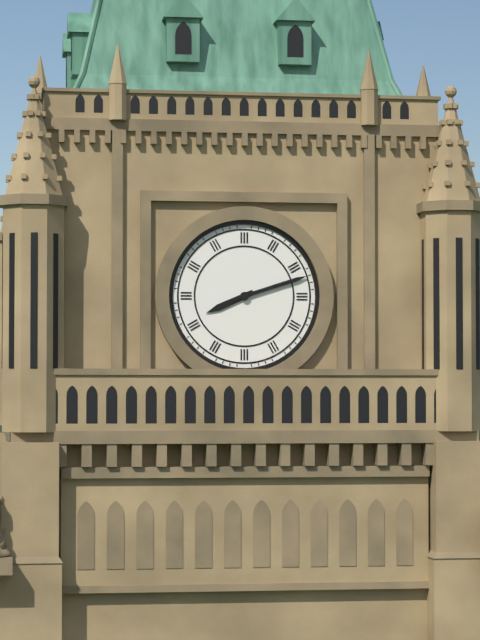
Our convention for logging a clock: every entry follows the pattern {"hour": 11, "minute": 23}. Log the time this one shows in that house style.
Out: {"hour": 8, "minute": 12}
